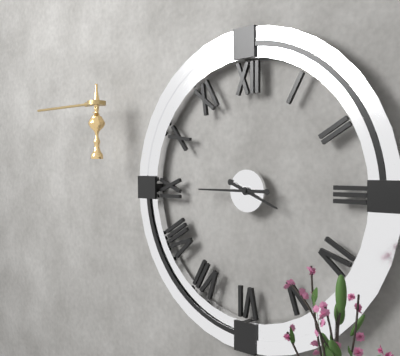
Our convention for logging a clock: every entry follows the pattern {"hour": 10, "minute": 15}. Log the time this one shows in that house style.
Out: {"hour": 3, "minute": 45}
